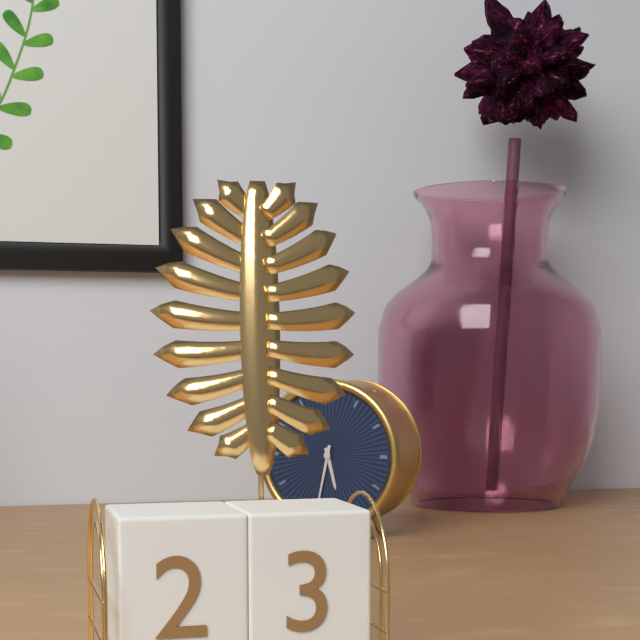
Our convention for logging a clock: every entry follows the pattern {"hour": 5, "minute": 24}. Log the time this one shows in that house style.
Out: {"hour": 5, "minute": 32}
